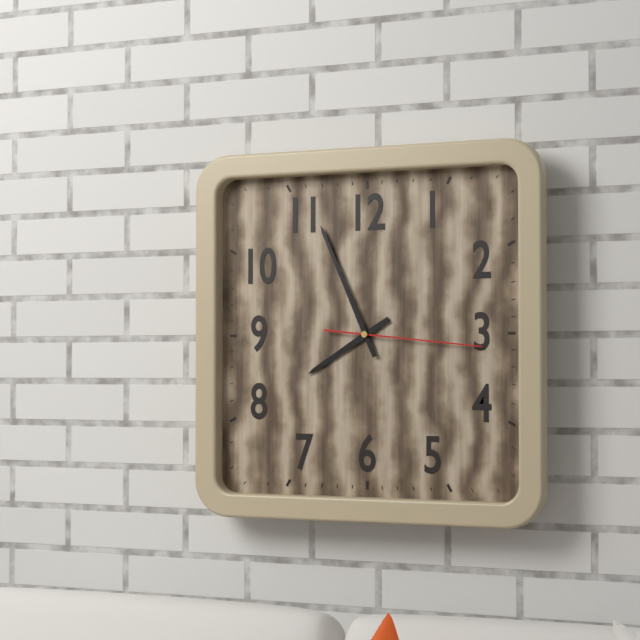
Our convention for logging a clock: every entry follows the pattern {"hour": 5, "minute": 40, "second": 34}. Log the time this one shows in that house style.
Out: {"hour": 7, "minute": 56, "second": 16}
